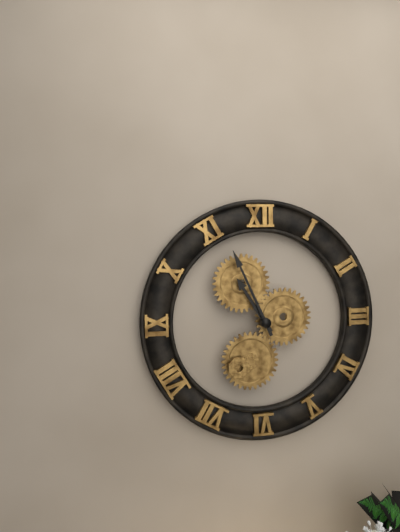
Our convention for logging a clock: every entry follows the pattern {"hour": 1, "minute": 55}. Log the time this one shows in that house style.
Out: {"hour": 10, "minute": 56}
